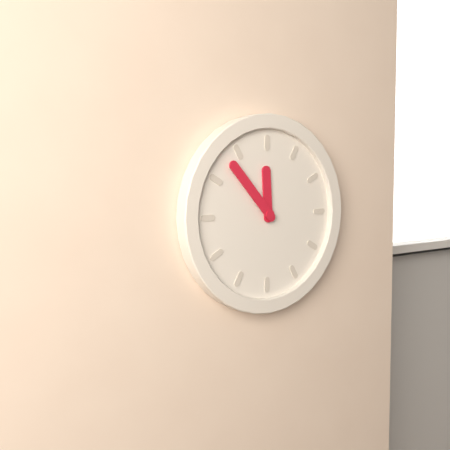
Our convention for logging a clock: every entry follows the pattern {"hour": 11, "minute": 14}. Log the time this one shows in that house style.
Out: {"hour": 11, "minute": 53}
